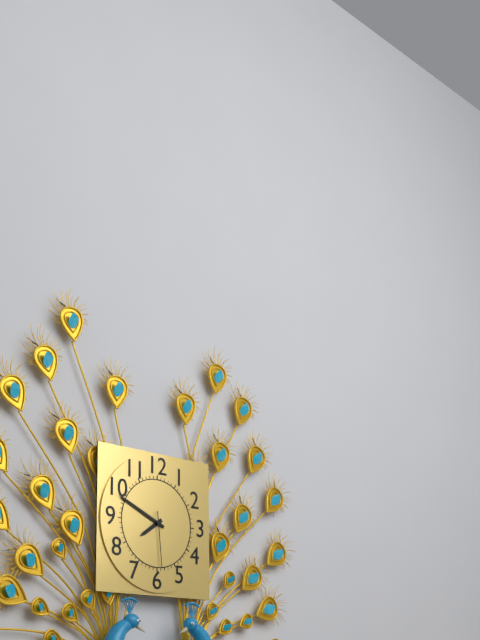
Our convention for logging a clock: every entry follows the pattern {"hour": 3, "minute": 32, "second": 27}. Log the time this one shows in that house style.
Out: {"hour": 7, "minute": 49, "second": 29}
